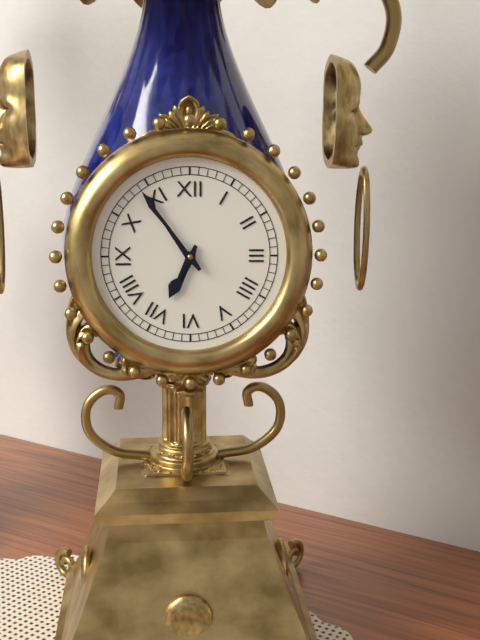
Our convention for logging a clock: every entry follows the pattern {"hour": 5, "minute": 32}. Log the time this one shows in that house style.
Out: {"hour": 6, "minute": 54}
